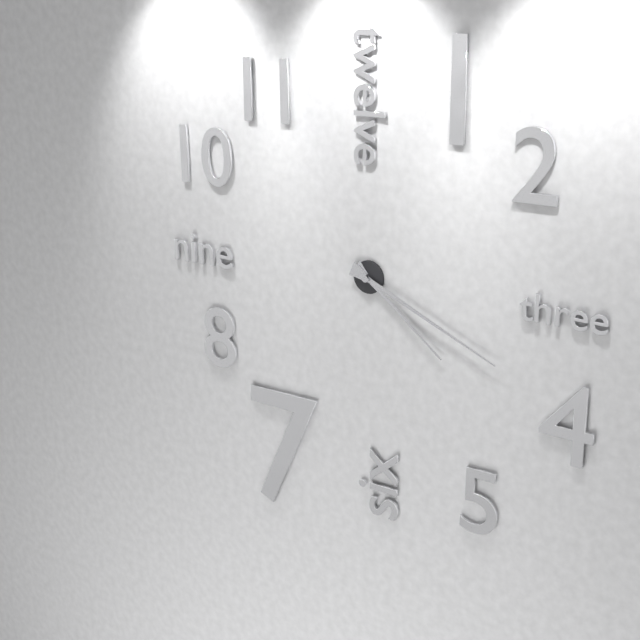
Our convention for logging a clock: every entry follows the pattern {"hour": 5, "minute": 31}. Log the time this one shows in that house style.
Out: {"hour": 4, "minute": 19}
